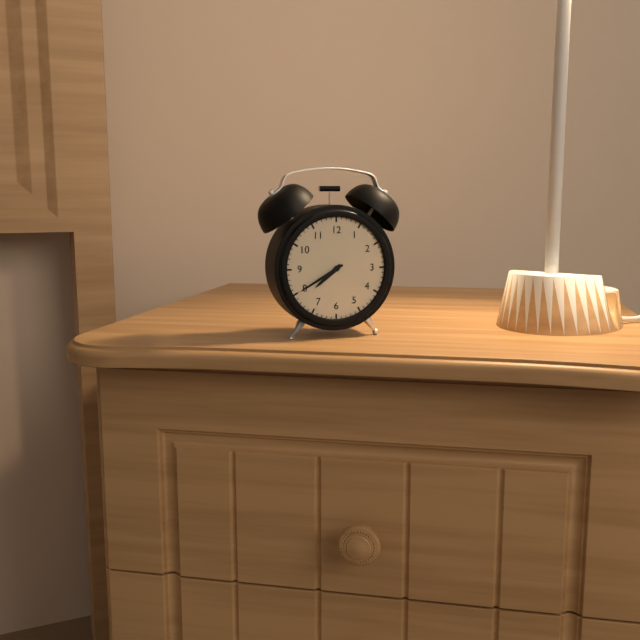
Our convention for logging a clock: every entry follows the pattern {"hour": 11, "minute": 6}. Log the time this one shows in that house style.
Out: {"hour": 7, "minute": 40}
